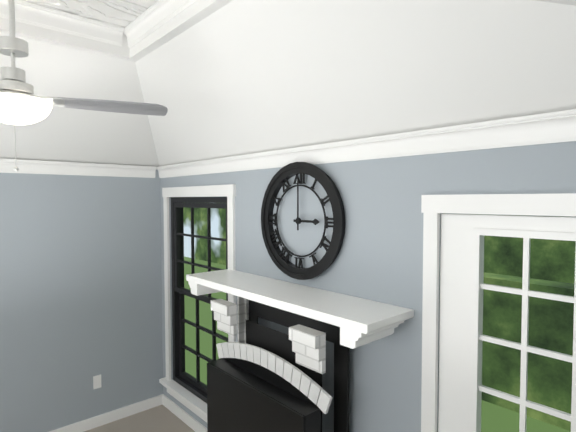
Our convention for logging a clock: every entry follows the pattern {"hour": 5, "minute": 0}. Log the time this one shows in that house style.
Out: {"hour": 3, "minute": 0}
